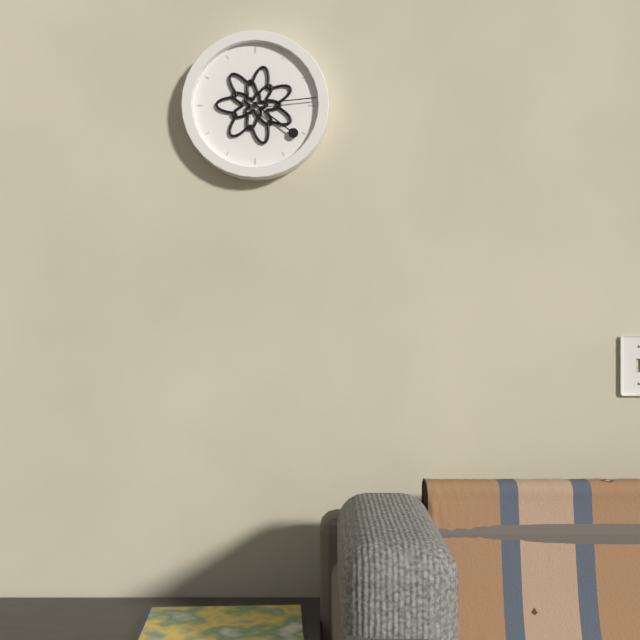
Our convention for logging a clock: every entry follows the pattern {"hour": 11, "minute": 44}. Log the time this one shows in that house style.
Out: {"hour": 4, "minute": 14}
